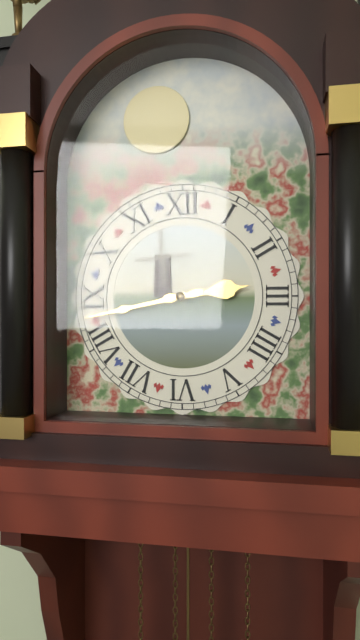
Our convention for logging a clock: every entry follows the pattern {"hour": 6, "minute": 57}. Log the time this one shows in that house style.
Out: {"hour": 2, "minute": 43}
